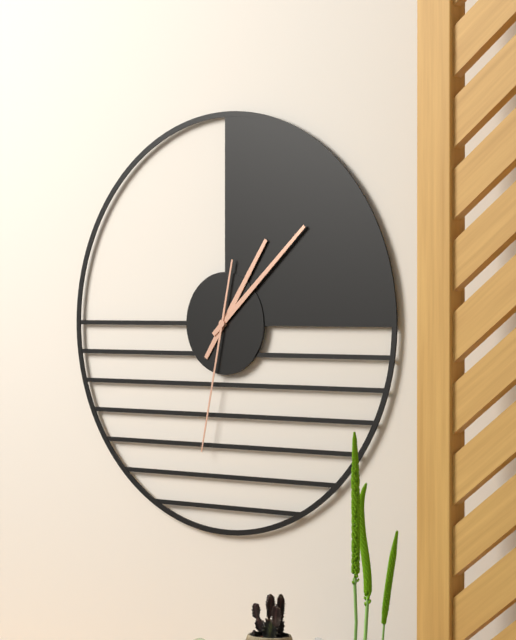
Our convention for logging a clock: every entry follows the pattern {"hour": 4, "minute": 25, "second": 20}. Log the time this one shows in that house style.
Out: {"hour": 1, "minute": 8, "second": 32}
